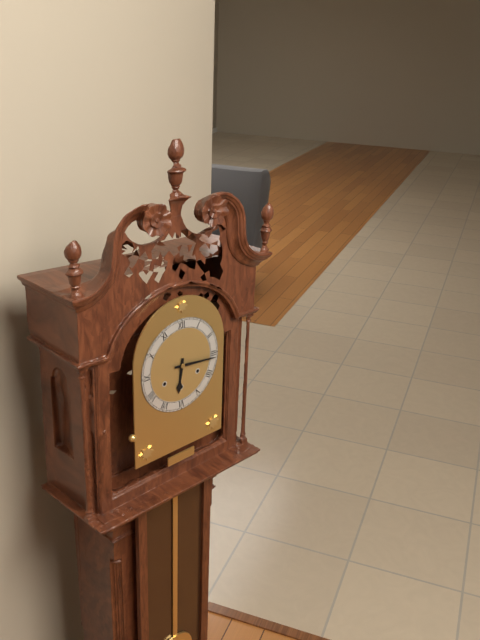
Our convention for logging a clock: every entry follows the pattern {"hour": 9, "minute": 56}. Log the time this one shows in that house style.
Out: {"hour": 6, "minute": 16}
